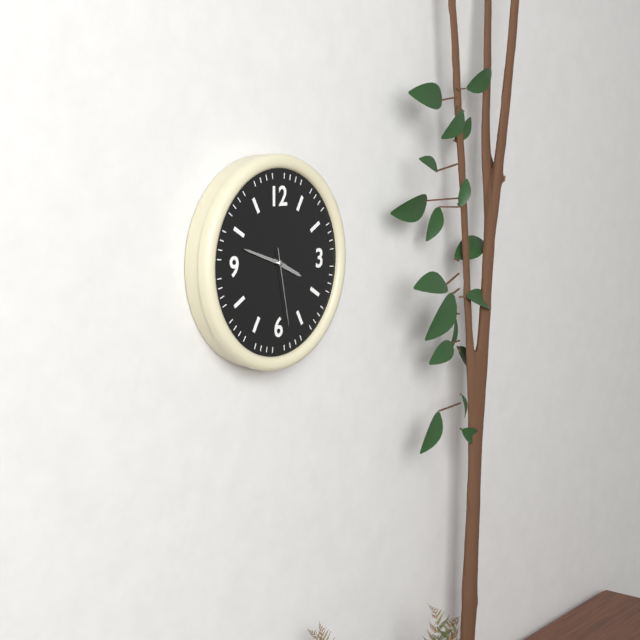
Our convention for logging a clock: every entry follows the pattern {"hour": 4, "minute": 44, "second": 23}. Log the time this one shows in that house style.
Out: {"hour": 3, "minute": 48, "second": 28}
